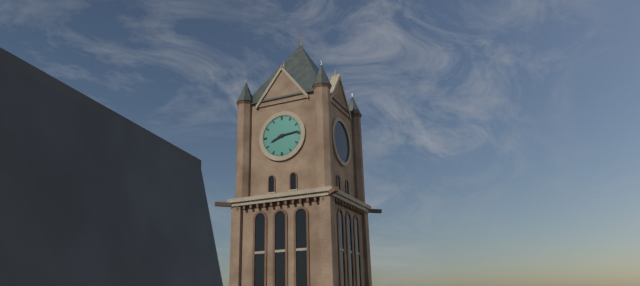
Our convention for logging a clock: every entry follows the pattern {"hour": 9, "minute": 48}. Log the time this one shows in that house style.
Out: {"hour": 8, "minute": 14}
